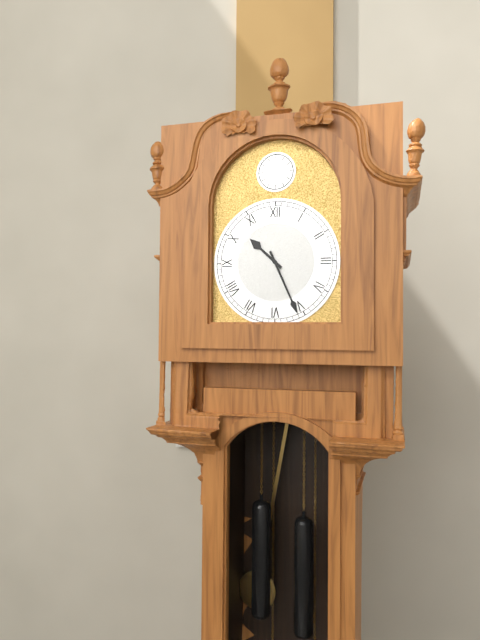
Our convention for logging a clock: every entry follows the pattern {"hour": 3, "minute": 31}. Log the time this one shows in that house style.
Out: {"hour": 10, "minute": 26}
